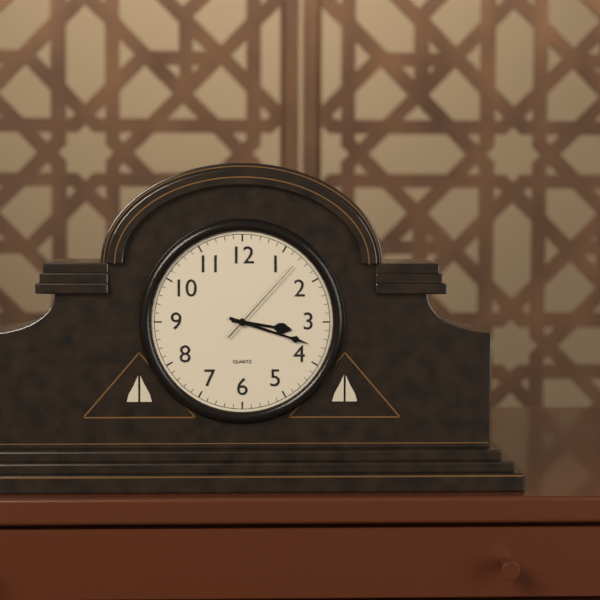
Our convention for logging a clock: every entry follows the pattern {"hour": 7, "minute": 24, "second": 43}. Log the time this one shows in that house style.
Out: {"hour": 3, "minute": 18, "second": 7}
